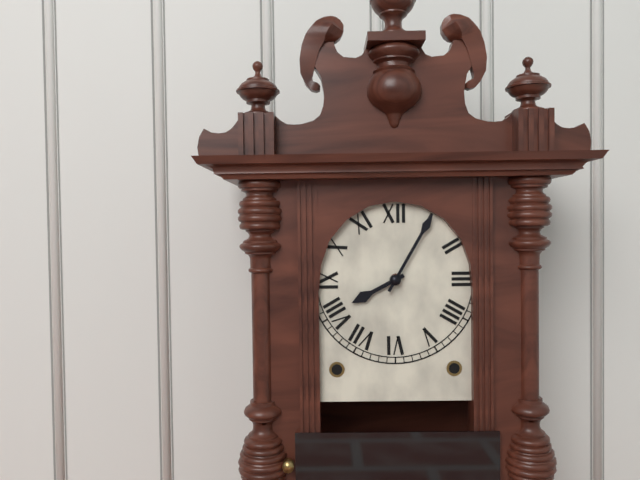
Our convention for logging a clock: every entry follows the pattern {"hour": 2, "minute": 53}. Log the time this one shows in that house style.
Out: {"hour": 8, "minute": 5}
